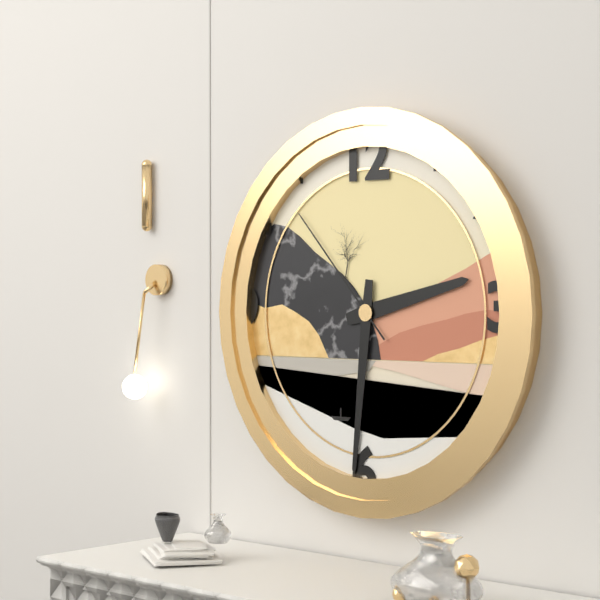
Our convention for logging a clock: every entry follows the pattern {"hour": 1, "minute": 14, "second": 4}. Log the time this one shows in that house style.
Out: {"hour": 2, "minute": 31, "second": 53}
